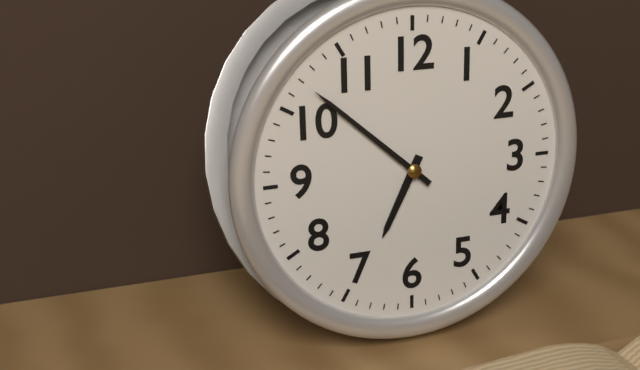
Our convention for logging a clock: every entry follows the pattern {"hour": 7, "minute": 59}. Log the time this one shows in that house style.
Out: {"hour": 6, "minute": 52}
